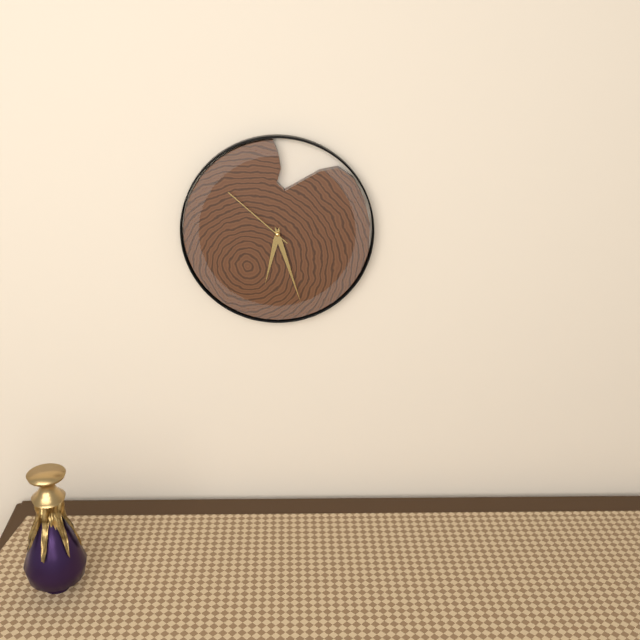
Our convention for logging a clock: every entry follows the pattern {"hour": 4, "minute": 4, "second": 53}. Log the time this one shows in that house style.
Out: {"hour": 6, "minute": 27, "second": 52}
